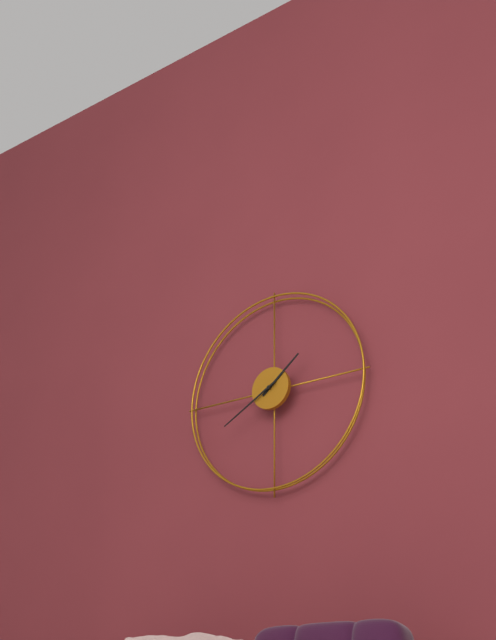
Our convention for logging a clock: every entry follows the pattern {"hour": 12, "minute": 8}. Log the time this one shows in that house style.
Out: {"hour": 1, "minute": 40}
